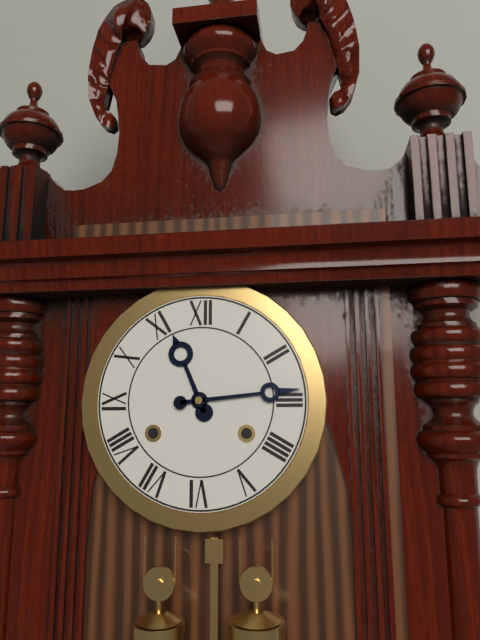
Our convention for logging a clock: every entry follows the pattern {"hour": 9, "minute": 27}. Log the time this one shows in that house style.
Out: {"hour": 11, "minute": 14}
